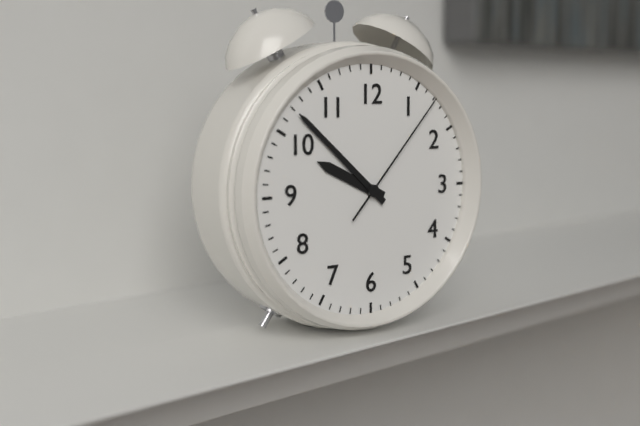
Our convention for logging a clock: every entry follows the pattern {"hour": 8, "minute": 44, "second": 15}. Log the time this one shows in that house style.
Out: {"hour": 9, "minute": 52, "second": 7}
